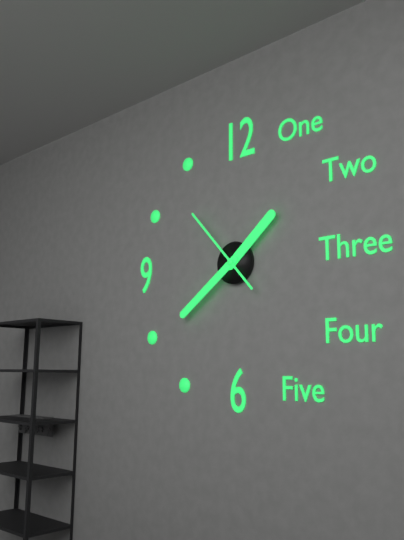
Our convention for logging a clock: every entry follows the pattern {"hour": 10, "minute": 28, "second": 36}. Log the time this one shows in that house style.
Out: {"hour": 1, "minute": 39, "second": 53}
